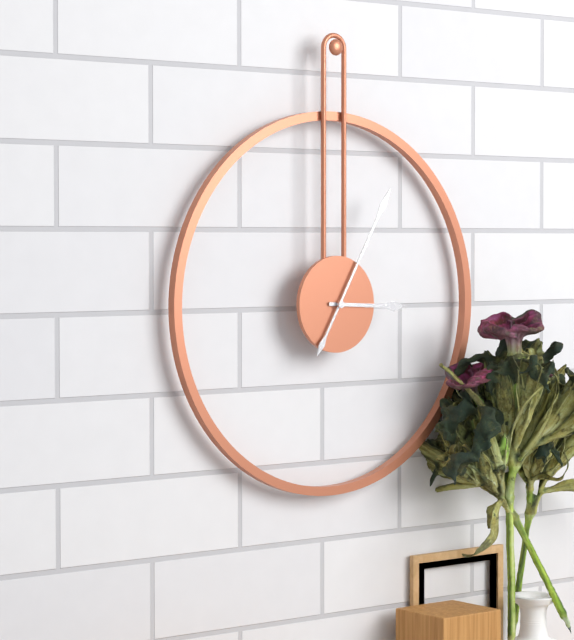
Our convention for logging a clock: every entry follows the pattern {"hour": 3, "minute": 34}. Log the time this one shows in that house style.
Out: {"hour": 3, "minute": 5}
